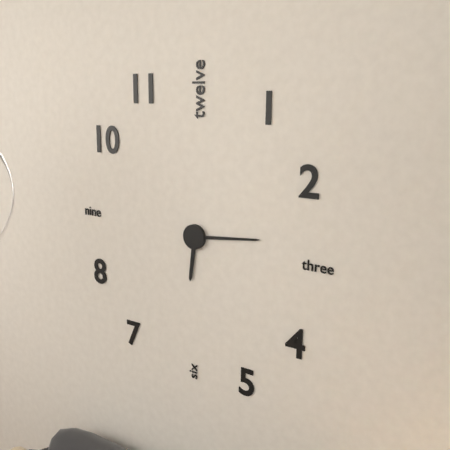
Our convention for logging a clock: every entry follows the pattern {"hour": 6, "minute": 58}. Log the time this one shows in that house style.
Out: {"hour": 6, "minute": 14}
